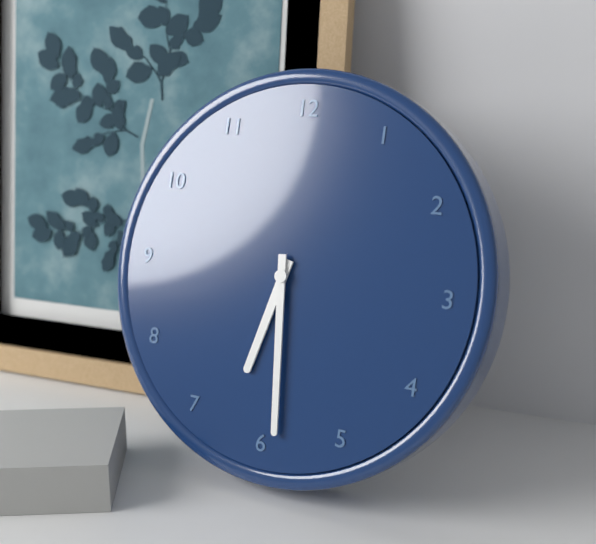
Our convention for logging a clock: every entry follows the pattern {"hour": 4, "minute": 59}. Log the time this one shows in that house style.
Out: {"hour": 6, "minute": 29}
